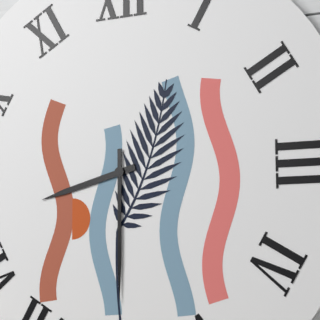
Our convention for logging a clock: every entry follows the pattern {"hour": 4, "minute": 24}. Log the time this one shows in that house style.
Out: {"hour": 8, "minute": 30}
